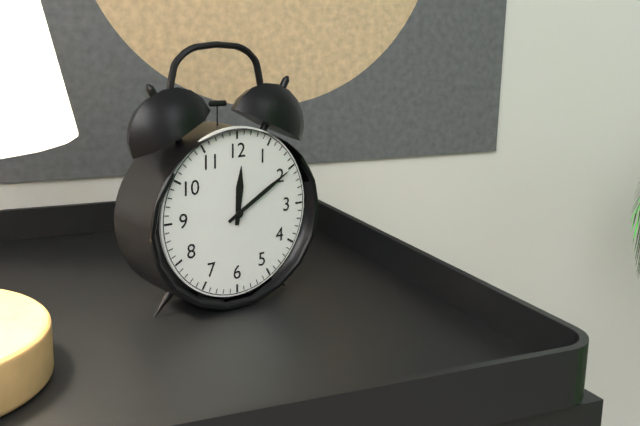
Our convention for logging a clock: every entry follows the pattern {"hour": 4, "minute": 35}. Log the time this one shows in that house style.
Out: {"hour": 12, "minute": 10}
